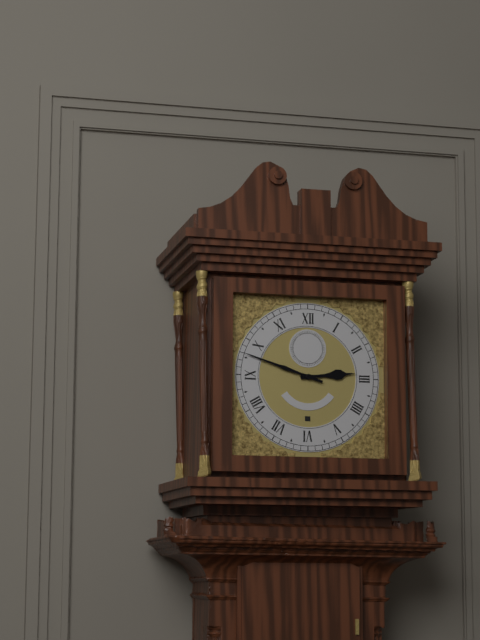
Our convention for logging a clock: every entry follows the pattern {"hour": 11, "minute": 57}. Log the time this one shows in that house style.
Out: {"hour": 2, "minute": 48}
